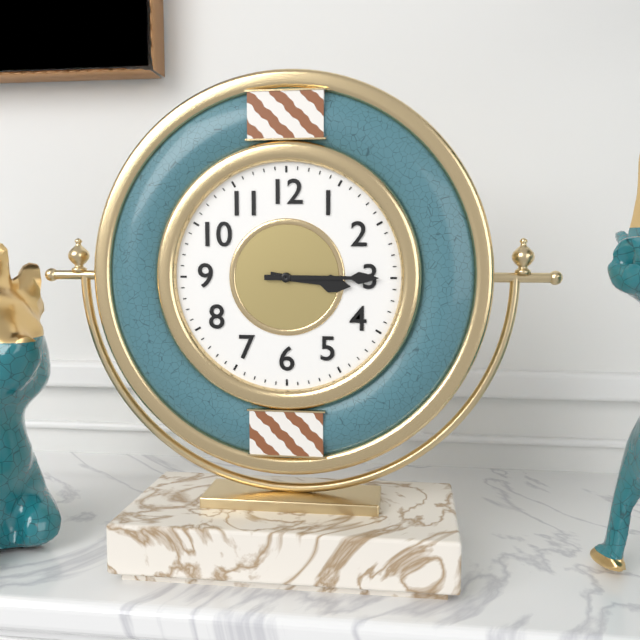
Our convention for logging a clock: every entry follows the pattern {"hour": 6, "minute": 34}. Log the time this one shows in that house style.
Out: {"hour": 3, "minute": 15}
